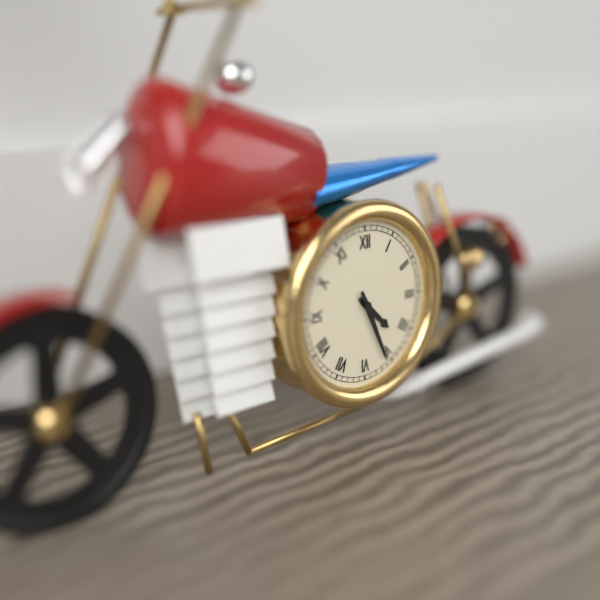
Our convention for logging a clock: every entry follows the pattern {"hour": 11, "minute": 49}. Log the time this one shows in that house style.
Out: {"hour": 4, "minute": 26}
